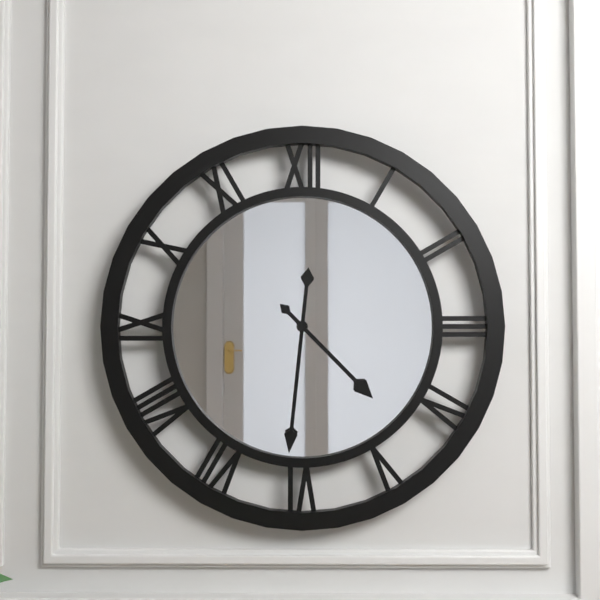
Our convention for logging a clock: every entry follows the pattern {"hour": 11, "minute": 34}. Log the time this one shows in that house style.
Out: {"hour": 4, "minute": 31}
